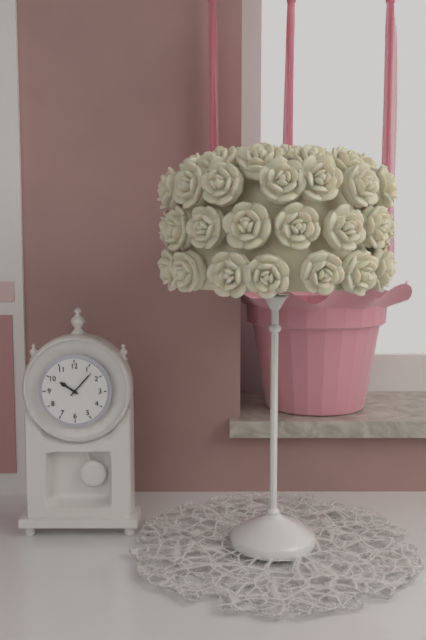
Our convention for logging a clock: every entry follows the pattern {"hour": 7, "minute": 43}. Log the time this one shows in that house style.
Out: {"hour": 10, "minute": 7}
